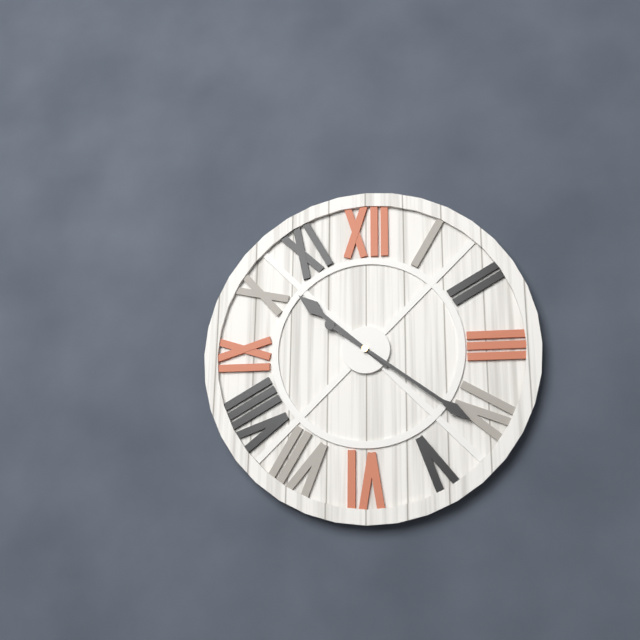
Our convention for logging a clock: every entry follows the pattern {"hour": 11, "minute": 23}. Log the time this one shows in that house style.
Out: {"hour": 10, "minute": 21}
